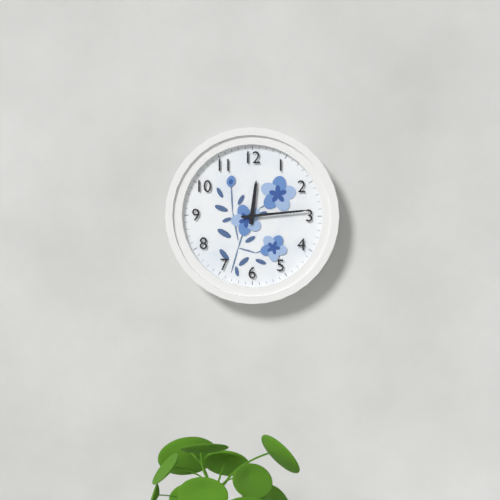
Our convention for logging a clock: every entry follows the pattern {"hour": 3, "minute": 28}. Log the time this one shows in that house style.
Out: {"hour": 12, "minute": 14}
